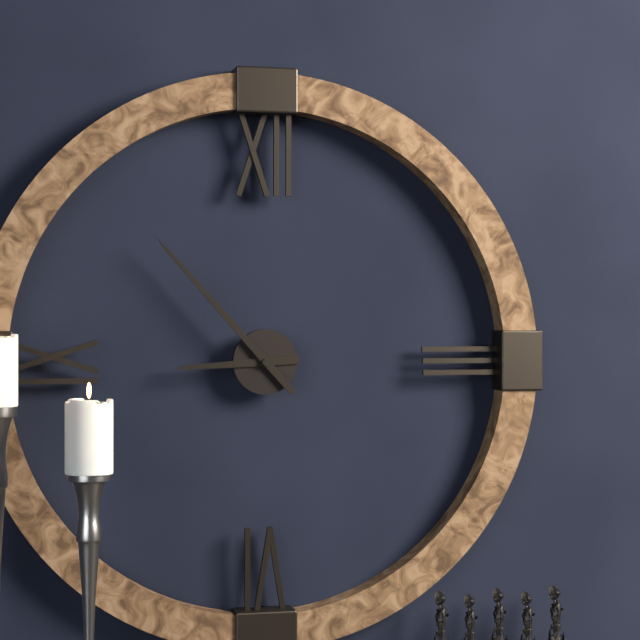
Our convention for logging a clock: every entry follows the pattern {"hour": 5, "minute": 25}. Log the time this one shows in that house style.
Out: {"hour": 8, "minute": 53}
